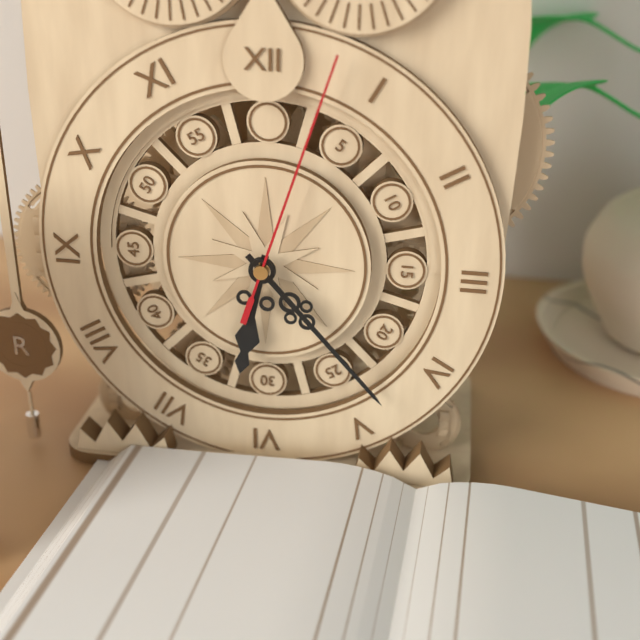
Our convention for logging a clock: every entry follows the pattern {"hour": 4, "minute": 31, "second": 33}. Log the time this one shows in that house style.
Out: {"hour": 6, "minute": 23, "second": 3}
